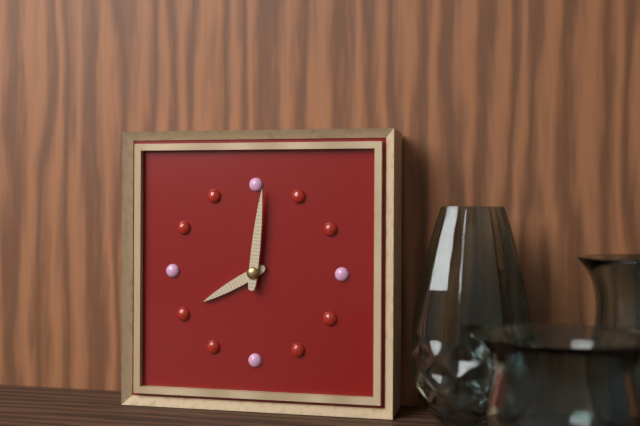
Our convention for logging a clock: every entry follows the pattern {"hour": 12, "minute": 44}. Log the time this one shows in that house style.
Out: {"hour": 8, "minute": 1}
